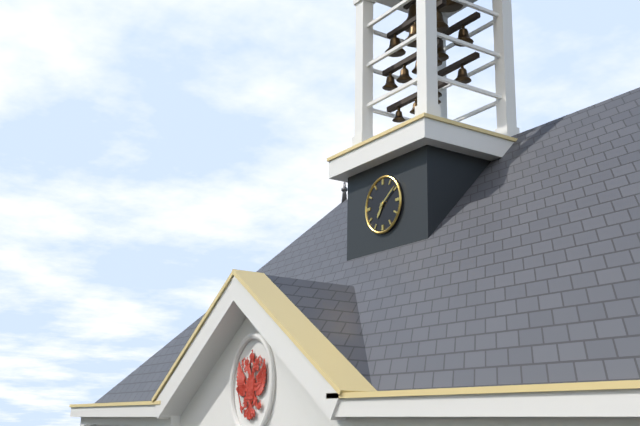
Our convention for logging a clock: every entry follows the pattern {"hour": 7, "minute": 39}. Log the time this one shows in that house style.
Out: {"hour": 7, "minute": 9}
